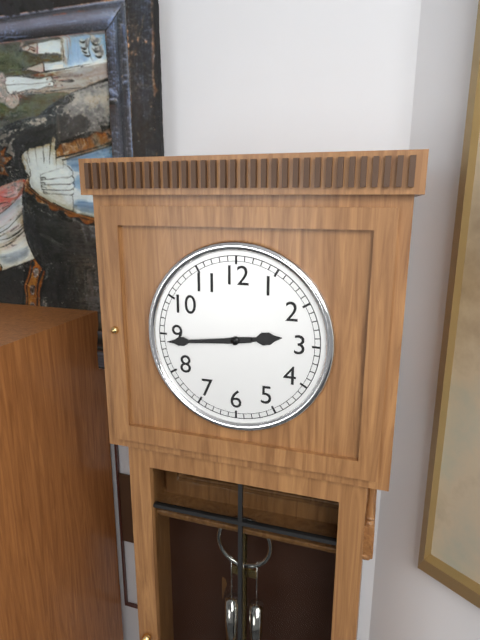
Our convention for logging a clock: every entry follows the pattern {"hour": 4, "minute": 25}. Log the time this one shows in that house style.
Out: {"hour": 2, "minute": 44}
